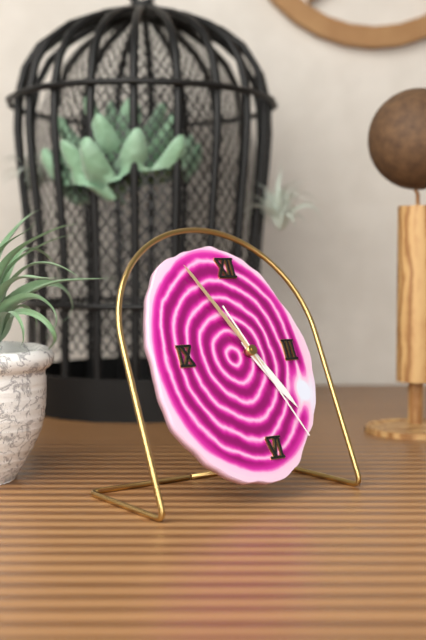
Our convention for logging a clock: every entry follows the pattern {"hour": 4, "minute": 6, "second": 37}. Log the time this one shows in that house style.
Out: {"hour": 4, "minute": 55, "second": 26}
